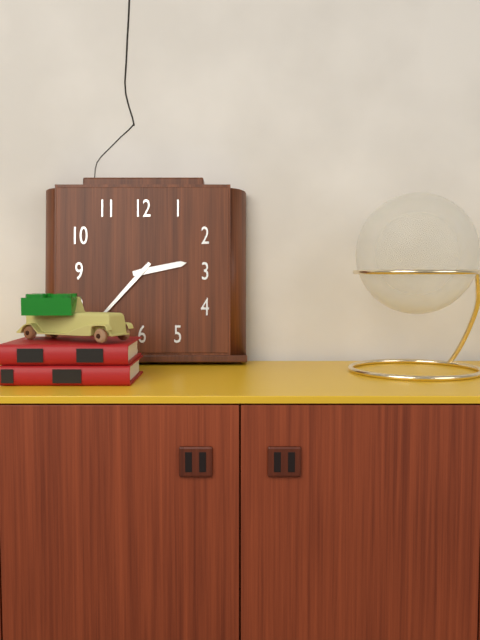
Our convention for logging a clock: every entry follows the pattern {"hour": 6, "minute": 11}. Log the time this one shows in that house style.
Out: {"hour": 2, "minute": 37}
